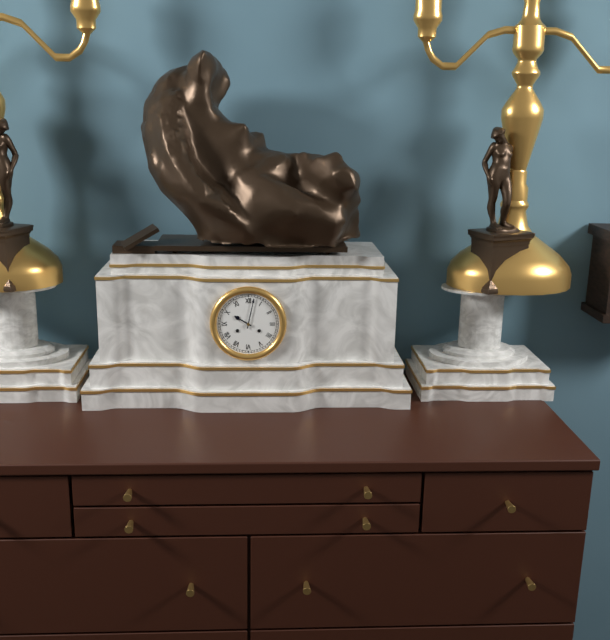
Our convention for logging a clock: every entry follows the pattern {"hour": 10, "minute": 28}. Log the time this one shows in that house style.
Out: {"hour": 10, "minute": 2}
